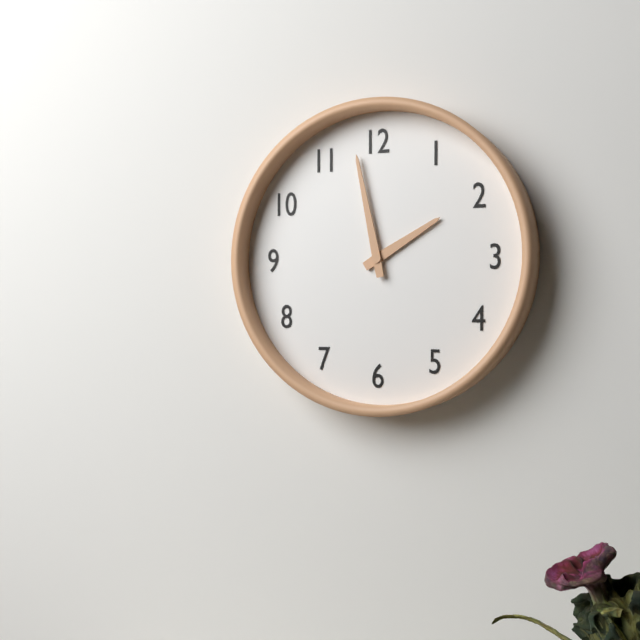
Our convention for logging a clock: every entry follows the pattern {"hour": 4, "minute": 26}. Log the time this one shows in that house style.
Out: {"hour": 1, "minute": 58}
